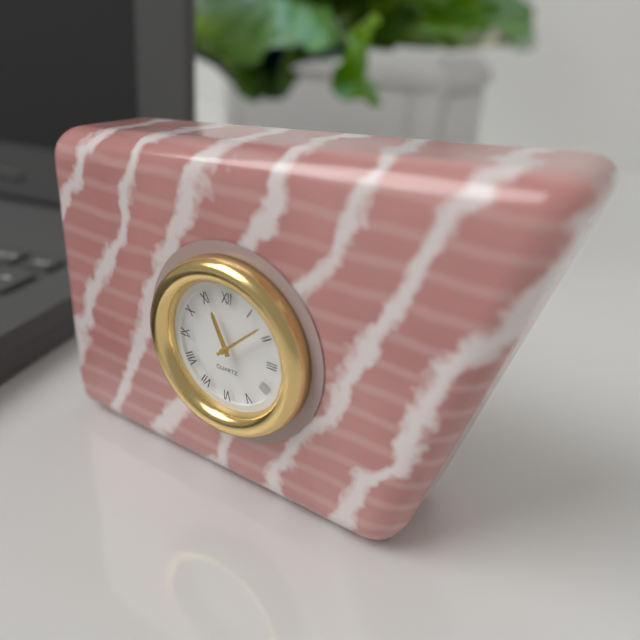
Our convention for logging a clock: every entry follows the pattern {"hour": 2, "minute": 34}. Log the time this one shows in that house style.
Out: {"hour": 11, "minute": 8}
